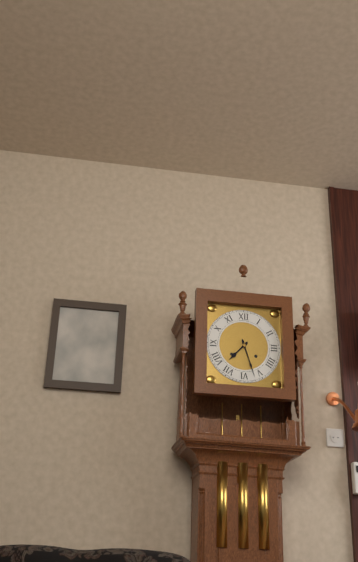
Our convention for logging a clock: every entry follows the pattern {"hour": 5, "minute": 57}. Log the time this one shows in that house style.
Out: {"hour": 7, "minute": 27}
